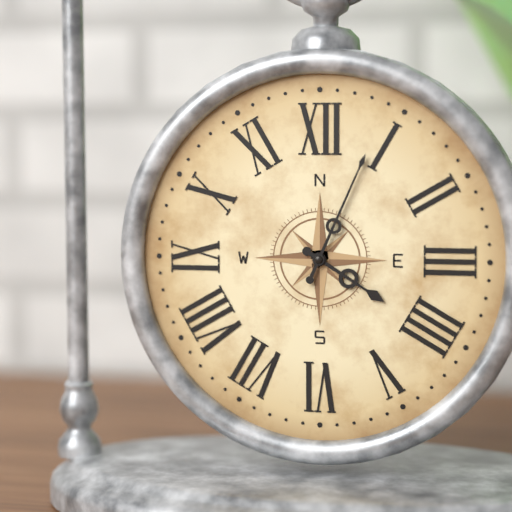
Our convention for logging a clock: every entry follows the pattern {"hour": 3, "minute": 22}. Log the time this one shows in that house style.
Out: {"hour": 4, "minute": 4}
